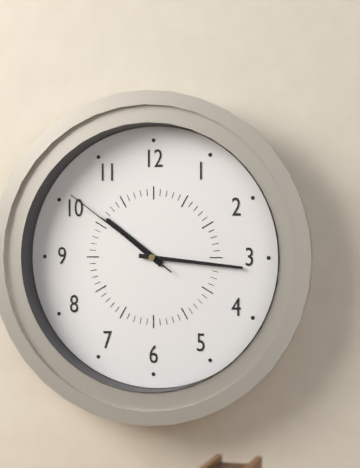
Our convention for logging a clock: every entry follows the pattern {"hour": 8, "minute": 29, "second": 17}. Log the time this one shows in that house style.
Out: {"hour": 10, "minute": 16, "second": 51}
